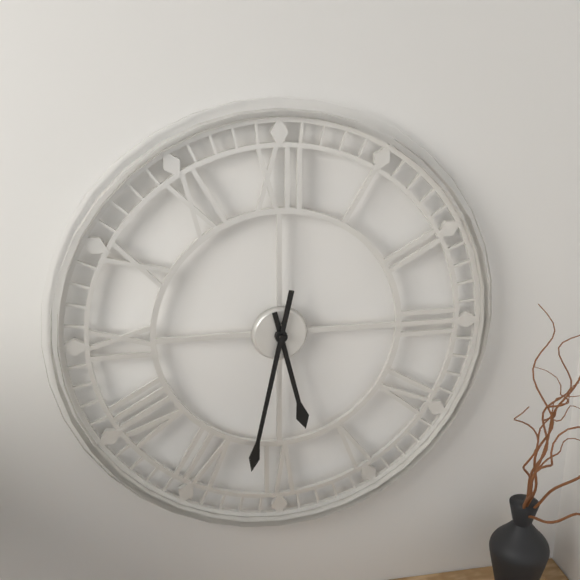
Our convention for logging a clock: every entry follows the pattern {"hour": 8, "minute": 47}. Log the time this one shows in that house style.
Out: {"hour": 5, "minute": 32}
